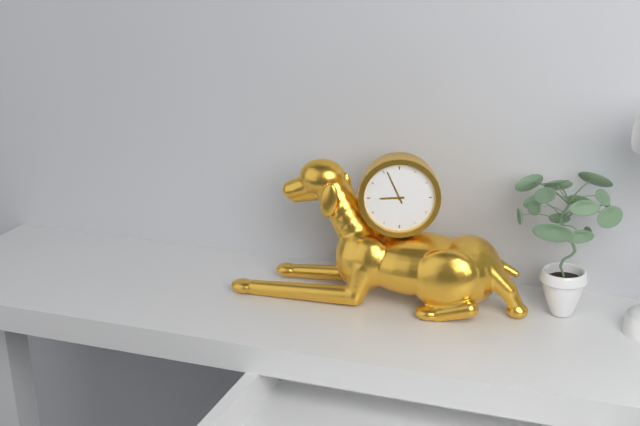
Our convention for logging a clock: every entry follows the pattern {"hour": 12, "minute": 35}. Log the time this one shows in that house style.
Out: {"hour": 8, "minute": 56}
